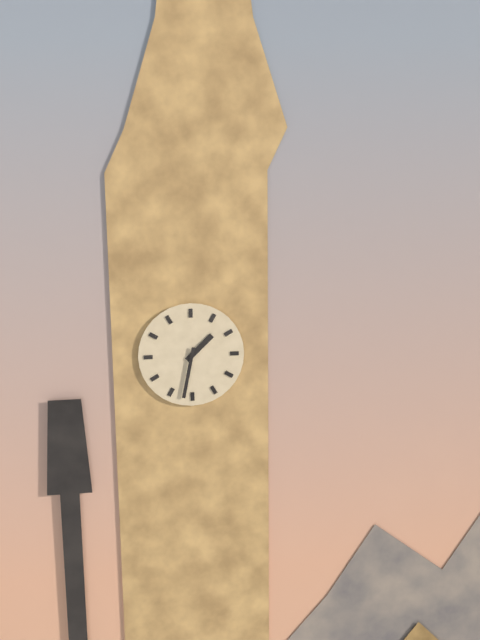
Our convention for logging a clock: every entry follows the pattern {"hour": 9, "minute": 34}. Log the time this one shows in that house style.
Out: {"hour": 1, "minute": 32}
